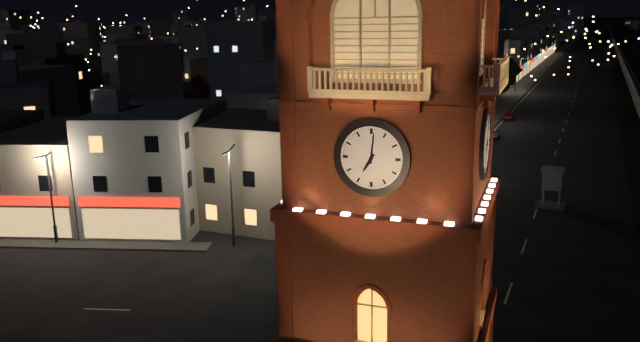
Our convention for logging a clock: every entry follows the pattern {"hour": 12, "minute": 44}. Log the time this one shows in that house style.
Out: {"hour": 7, "minute": 1}
